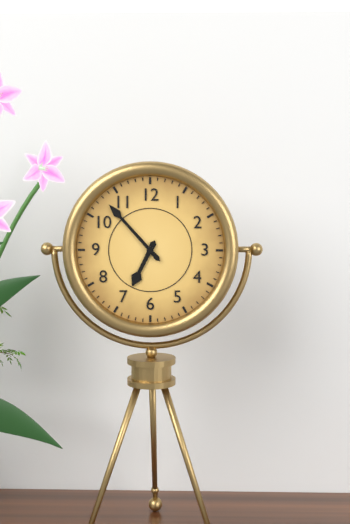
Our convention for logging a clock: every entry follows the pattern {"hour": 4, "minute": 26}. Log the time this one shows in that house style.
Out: {"hour": 6, "minute": 53}
